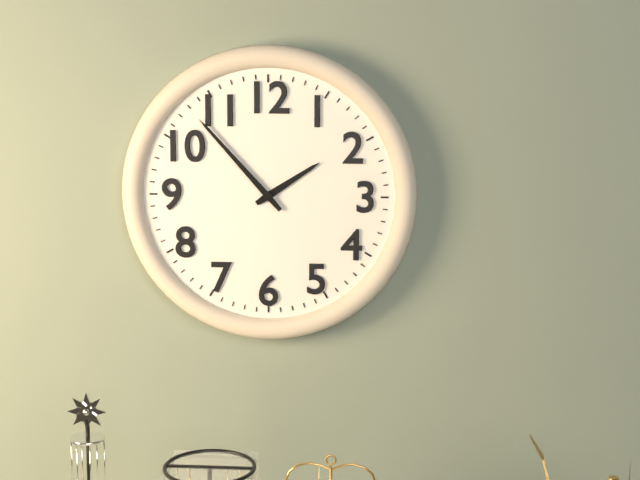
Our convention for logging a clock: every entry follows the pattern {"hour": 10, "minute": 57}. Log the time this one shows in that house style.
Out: {"hour": 1, "minute": 53}
